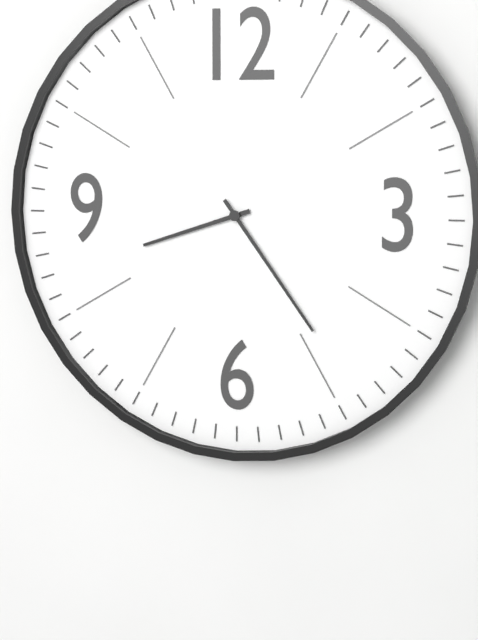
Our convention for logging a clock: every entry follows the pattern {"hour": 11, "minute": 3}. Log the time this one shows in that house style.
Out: {"hour": 8, "minute": 24}
